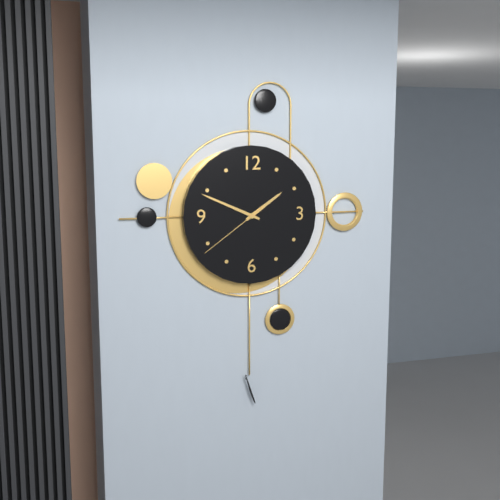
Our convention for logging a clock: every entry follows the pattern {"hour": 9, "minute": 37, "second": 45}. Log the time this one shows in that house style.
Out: {"hour": 1, "minute": 49, "second": 39}
